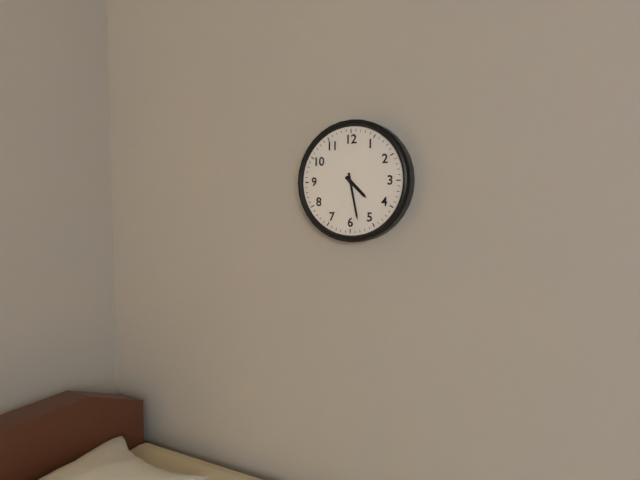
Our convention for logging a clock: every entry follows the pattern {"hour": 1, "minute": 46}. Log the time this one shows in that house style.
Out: {"hour": 4, "minute": 28}
